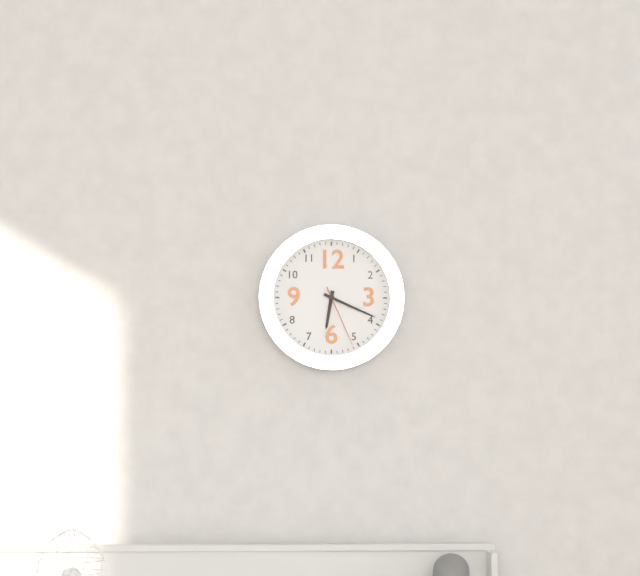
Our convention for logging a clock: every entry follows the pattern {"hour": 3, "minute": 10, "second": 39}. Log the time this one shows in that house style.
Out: {"hour": 6, "minute": 19, "second": 26}
